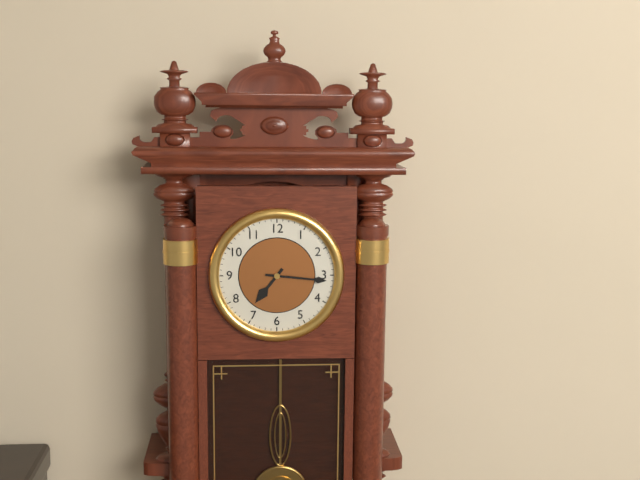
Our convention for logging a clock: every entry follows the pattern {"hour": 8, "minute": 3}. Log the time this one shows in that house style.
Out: {"hour": 7, "minute": 16}
